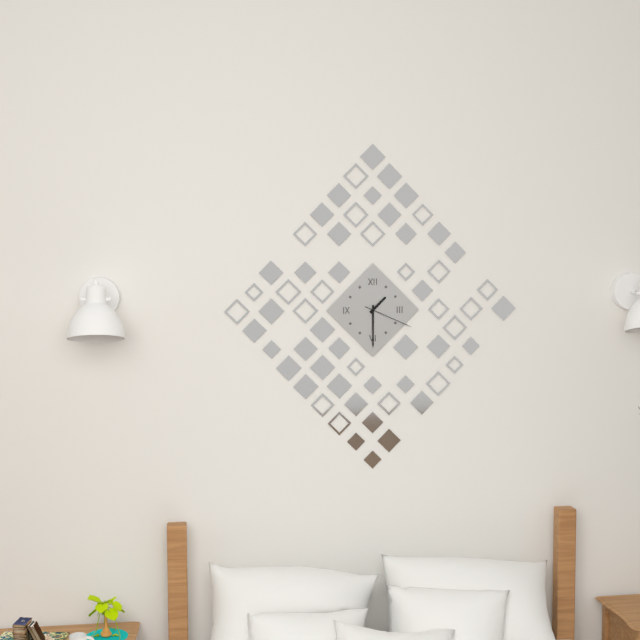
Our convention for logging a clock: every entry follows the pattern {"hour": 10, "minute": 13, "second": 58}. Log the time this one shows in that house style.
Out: {"hour": 1, "minute": 30, "second": 19}
